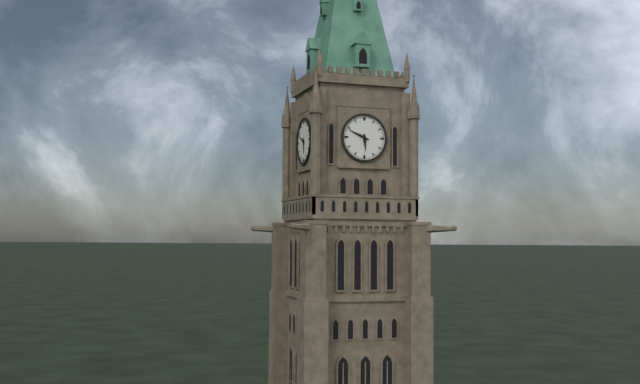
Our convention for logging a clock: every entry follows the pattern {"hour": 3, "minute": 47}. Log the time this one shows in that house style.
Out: {"hour": 5, "minute": 49}
